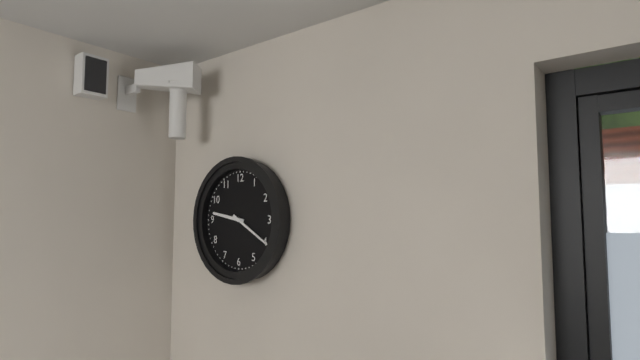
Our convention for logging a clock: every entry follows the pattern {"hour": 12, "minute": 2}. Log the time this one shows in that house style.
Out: {"hour": 9, "minute": 20}
